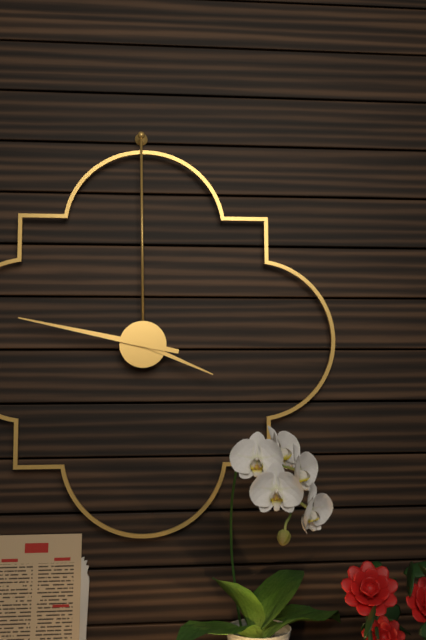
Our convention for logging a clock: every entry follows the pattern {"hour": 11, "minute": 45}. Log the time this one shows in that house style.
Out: {"hour": 3, "minute": 47}
